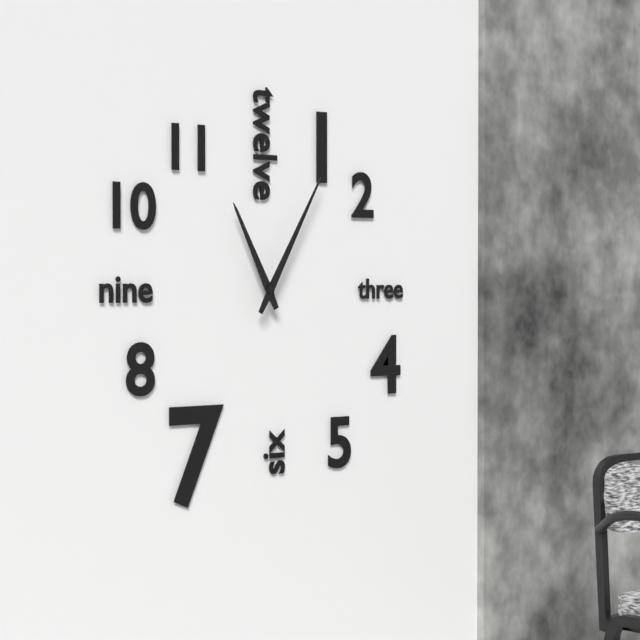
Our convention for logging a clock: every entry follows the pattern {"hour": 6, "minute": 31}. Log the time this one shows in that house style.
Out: {"hour": 11, "minute": 5}
